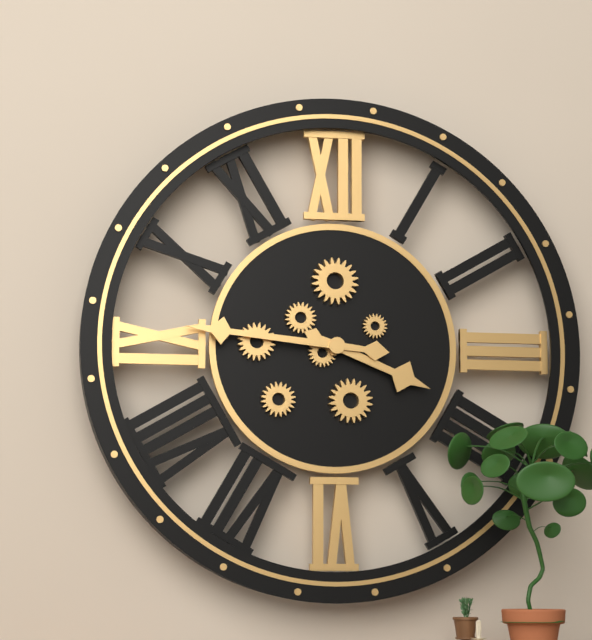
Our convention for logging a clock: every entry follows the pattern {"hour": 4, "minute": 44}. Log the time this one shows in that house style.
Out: {"hour": 3, "minute": 46}
